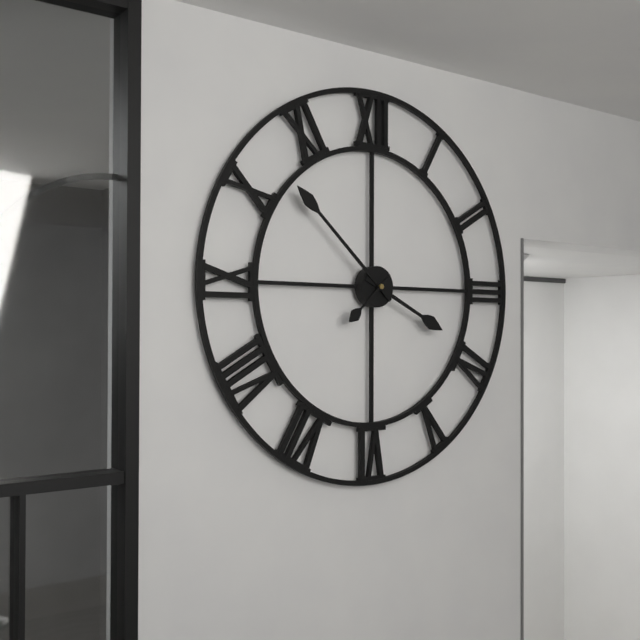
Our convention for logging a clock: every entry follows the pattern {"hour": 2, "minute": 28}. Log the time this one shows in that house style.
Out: {"hour": 3, "minute": 52}
